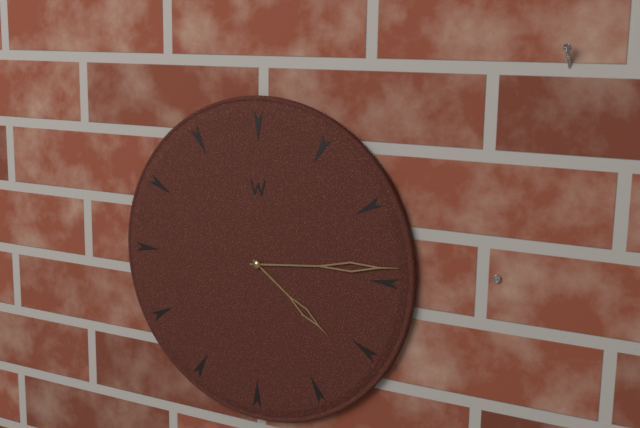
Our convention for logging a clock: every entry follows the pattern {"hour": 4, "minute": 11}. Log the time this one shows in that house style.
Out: {"hour": 4, "minute": 14}
